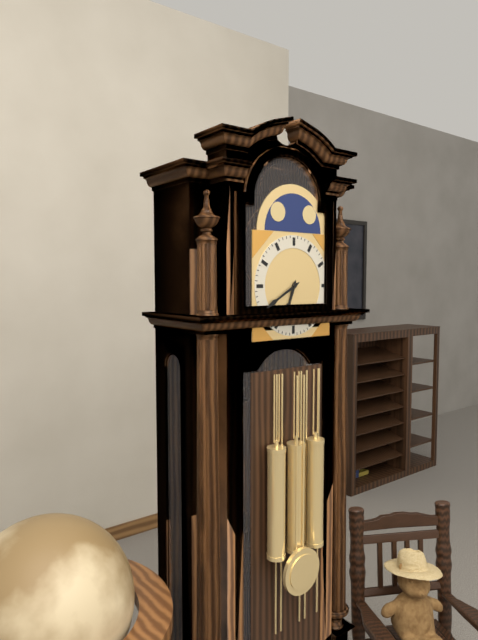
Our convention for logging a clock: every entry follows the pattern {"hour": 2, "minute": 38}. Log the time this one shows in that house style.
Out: {"hour": 6, "minute": 40}
